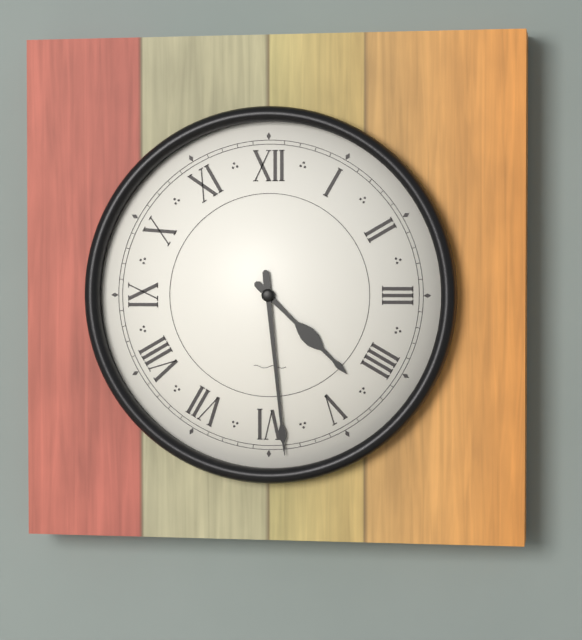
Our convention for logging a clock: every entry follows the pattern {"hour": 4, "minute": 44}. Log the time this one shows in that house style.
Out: {"hour": 4, "minute": 29}
